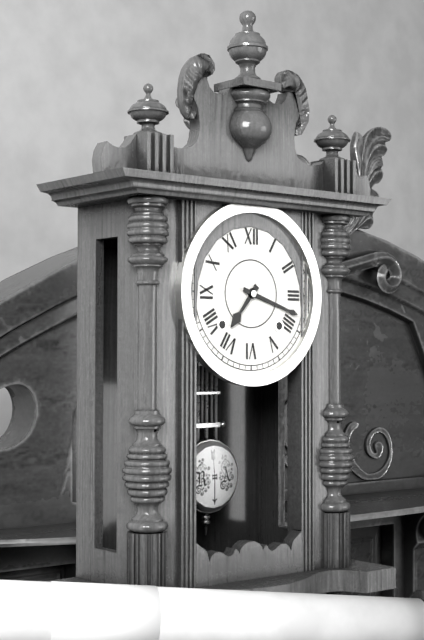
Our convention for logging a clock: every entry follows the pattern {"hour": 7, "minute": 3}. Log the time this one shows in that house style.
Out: {"hour": 7, "minute": 18}
